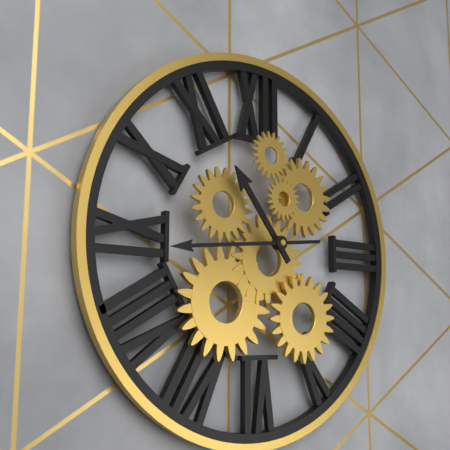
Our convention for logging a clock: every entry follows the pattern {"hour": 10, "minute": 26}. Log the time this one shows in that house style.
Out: {"hour": 10, "minute": 44}
